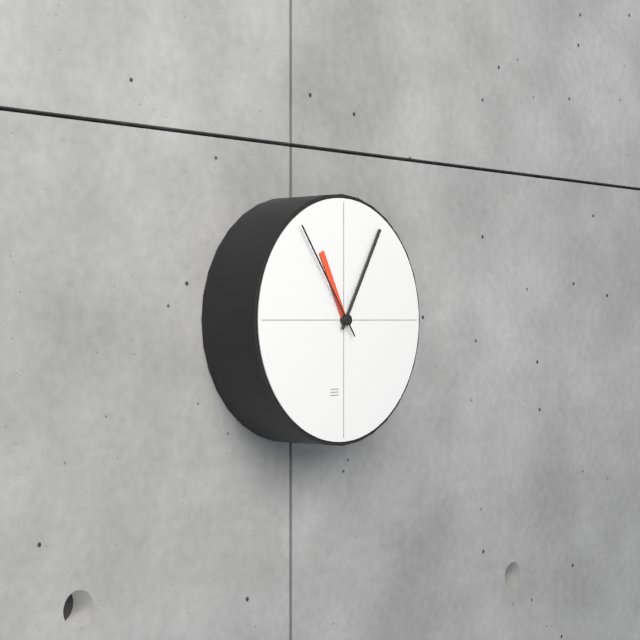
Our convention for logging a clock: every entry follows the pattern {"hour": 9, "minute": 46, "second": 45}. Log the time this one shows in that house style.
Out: {"hour": 11, "minute": 5, "second": 54}
